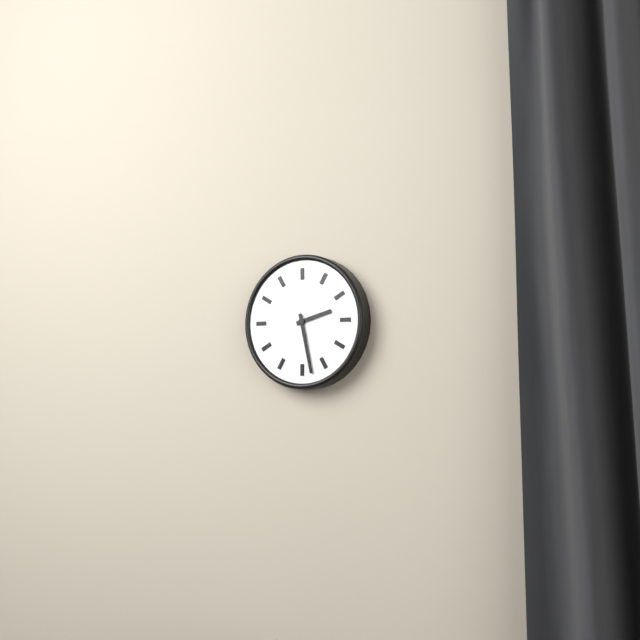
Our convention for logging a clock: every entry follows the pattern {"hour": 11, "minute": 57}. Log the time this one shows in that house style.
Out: {"hour": 2, "minute": 28}
